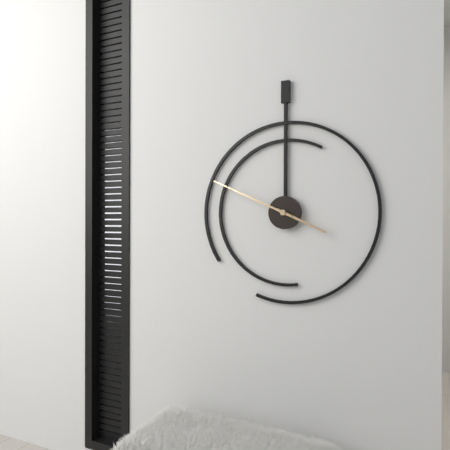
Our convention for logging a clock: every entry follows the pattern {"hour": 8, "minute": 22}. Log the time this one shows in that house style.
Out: {"hour": 3, "minute": 49}
